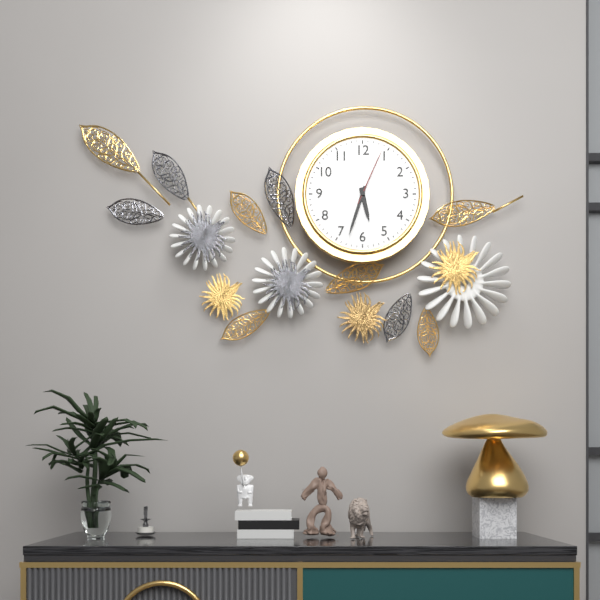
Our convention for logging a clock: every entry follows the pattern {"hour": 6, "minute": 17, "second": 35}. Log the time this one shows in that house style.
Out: {"hour": 5, "minute": 33, "second": 4}
